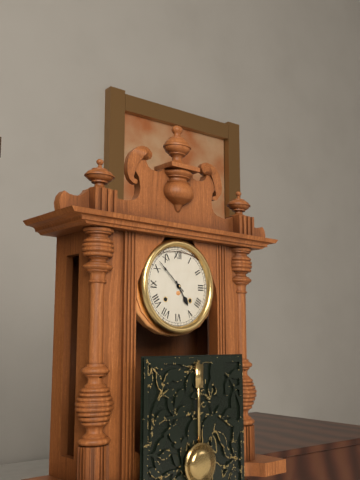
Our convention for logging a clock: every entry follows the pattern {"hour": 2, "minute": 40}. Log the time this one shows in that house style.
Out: {"hour": 4, "minute": 52}
